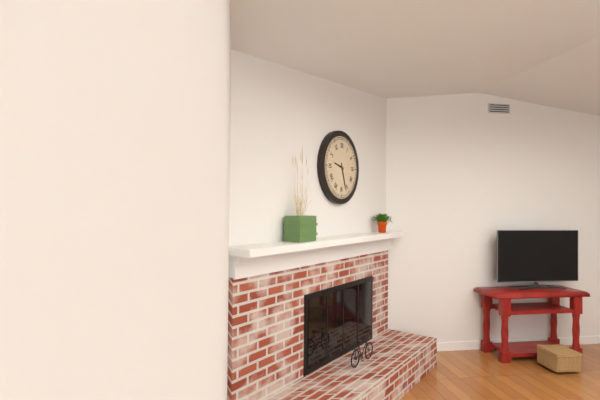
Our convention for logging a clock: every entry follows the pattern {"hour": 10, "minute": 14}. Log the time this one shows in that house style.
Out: {"hour": 9, "minute": 27}
